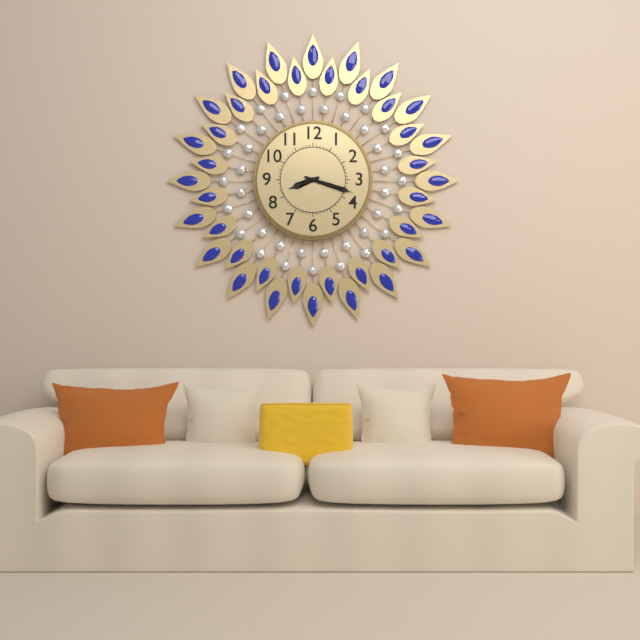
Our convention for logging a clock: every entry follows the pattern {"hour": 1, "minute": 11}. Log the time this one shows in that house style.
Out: {"hour": 8, "minute": 18}
